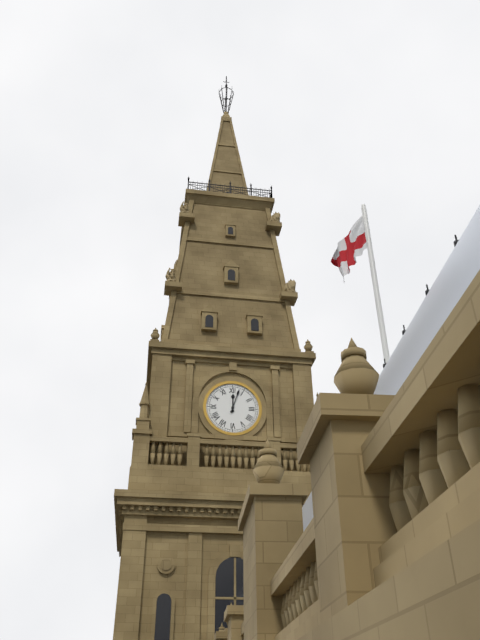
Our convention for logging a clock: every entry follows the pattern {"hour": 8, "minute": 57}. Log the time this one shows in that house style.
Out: {"hour": 12, "minute": 3}
